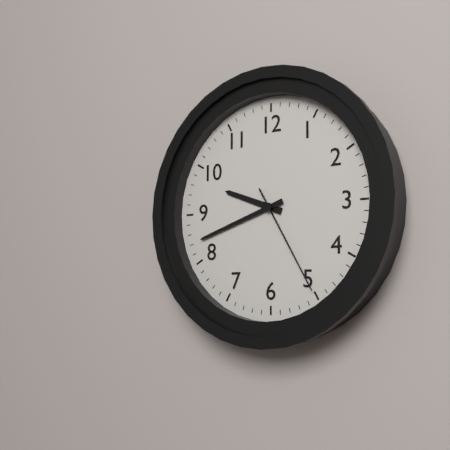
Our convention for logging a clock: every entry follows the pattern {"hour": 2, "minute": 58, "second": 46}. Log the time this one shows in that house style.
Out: {"hour": 9, "minute": 42, "second": 25}
